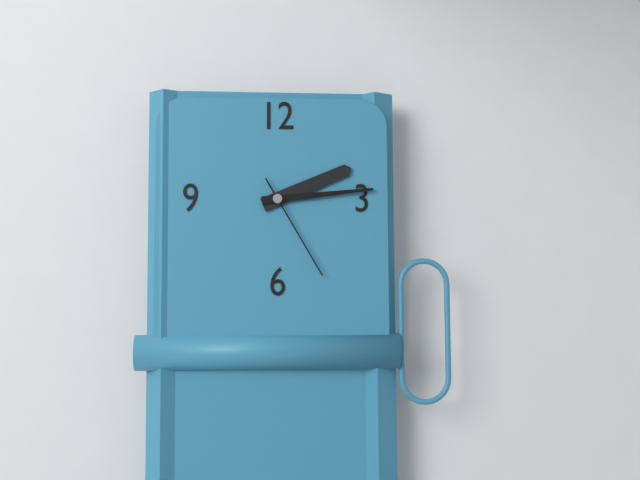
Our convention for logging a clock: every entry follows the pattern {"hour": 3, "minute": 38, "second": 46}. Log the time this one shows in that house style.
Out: {"hour": 2, "minute": 14, "second": 25}
